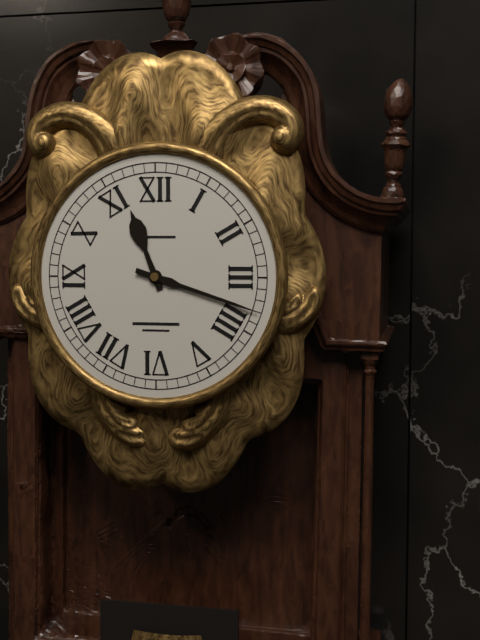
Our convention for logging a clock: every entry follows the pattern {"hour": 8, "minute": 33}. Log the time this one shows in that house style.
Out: {"hour": 11, "minute": 18}
